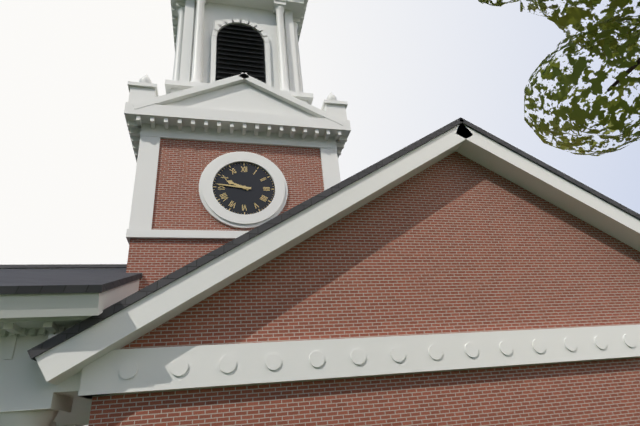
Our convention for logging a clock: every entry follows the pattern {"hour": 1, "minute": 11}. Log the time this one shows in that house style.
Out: {"hour": 9, "minute": 46}
